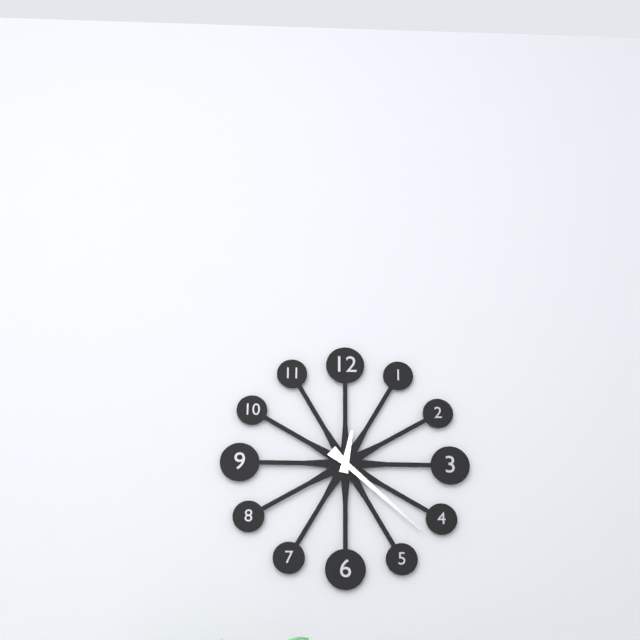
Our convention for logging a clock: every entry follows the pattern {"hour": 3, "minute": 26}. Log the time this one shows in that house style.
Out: {"hour": 12, "minute": 22}
